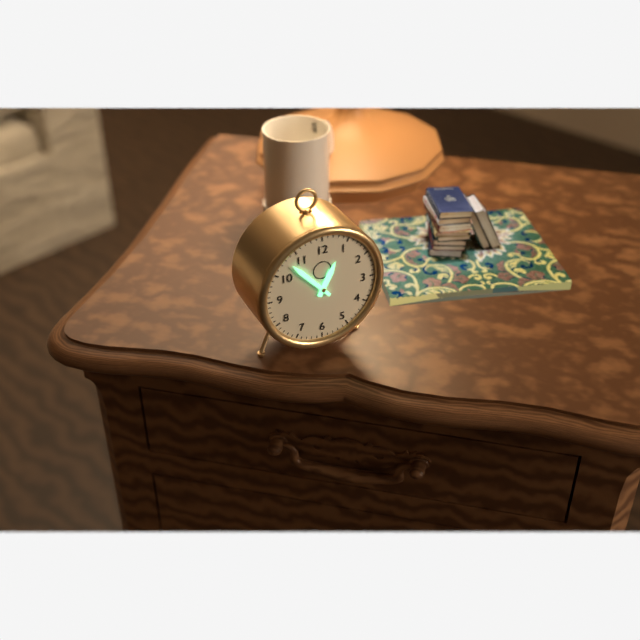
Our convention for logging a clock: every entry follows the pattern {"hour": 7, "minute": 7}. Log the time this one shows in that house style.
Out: {"hour": 12, "minute": 53}
